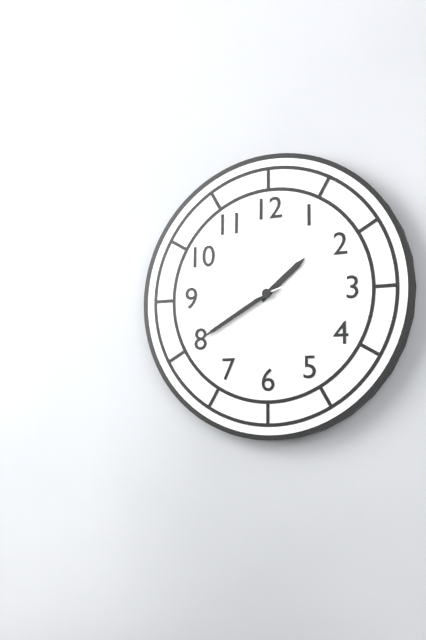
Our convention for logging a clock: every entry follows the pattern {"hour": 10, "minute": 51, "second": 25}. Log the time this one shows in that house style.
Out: {"hour": 1, "minute": 40, "second": 42}
